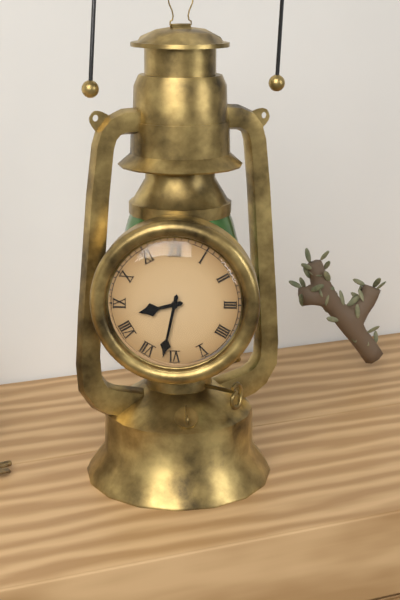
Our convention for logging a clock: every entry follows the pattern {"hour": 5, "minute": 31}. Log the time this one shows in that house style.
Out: {"hour": 8, "minute": 32}
